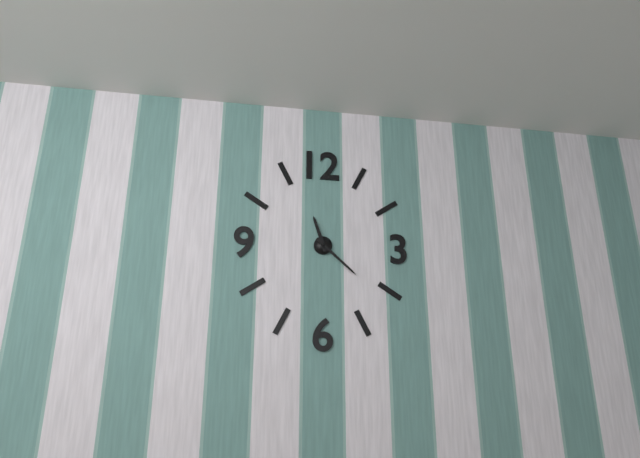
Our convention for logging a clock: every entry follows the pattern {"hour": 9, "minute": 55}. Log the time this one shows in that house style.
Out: {"hour": 11, "minute": 22}
